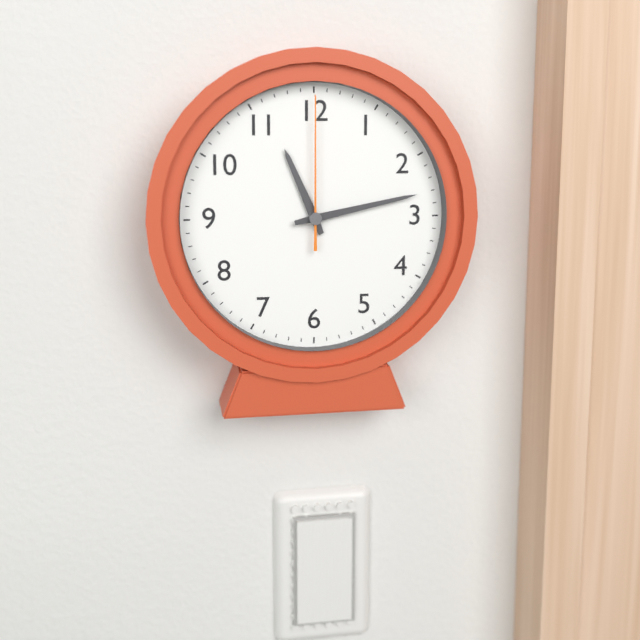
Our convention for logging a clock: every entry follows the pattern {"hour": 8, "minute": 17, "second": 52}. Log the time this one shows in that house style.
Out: {"hour": 11, "minute": 13, "second": 0}
